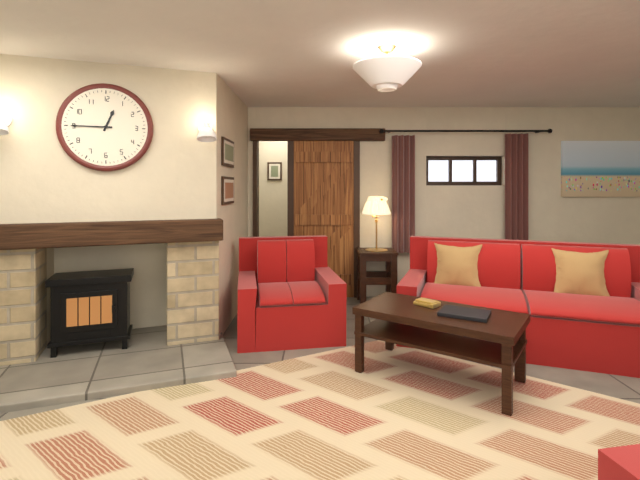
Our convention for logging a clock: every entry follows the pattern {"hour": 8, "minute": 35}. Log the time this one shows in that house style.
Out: {"hour": 12, "minute": 45}
